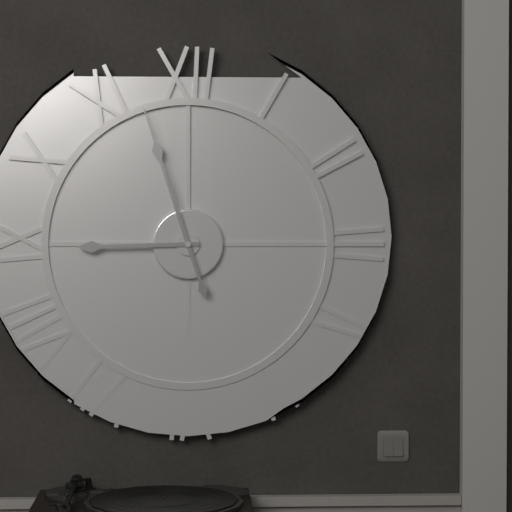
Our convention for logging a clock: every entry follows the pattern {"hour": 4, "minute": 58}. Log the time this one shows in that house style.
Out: {"hour": 8, "minute": 57}
